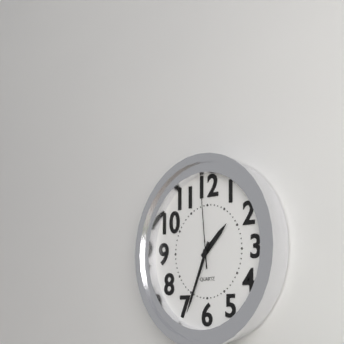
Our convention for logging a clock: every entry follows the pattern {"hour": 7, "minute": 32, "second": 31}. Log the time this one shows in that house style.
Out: {"hour": 1, "minute": 34, "second": 59}
